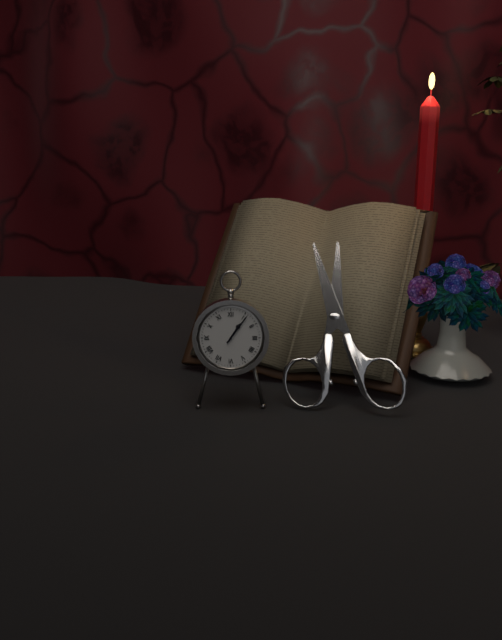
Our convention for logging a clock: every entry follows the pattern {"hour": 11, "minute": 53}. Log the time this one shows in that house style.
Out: {"hour": 1, "minute": 6}
